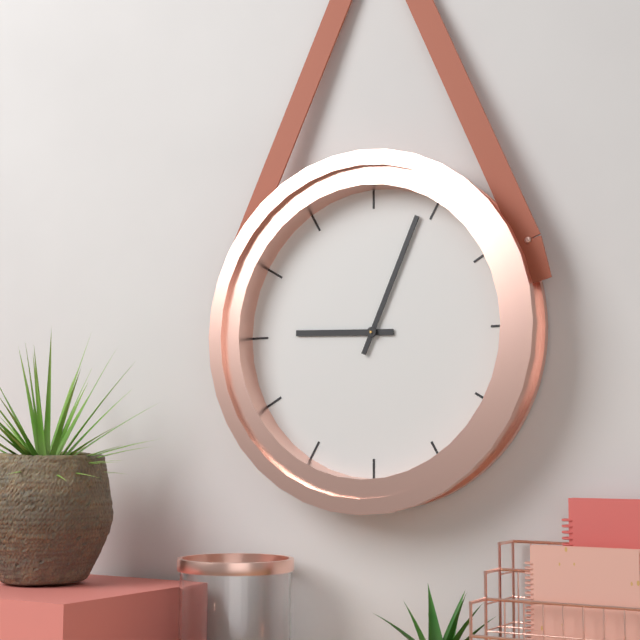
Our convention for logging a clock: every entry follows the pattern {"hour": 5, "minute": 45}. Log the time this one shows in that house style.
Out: {"hour": 9, "minute": 4}
